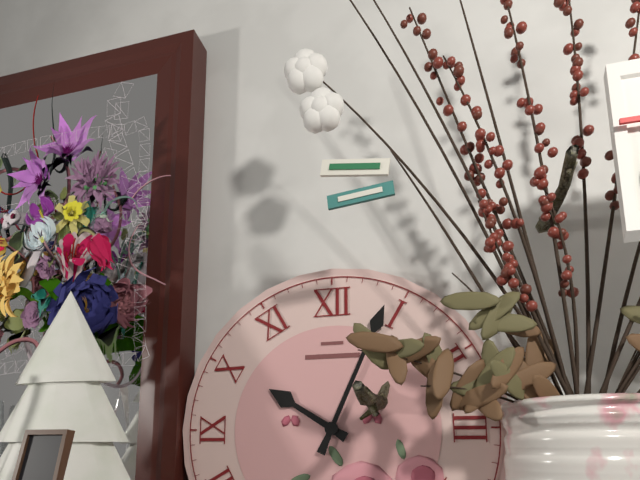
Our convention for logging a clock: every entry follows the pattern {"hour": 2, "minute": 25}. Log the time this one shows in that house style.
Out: {"hour": 10, "minute": 4}
